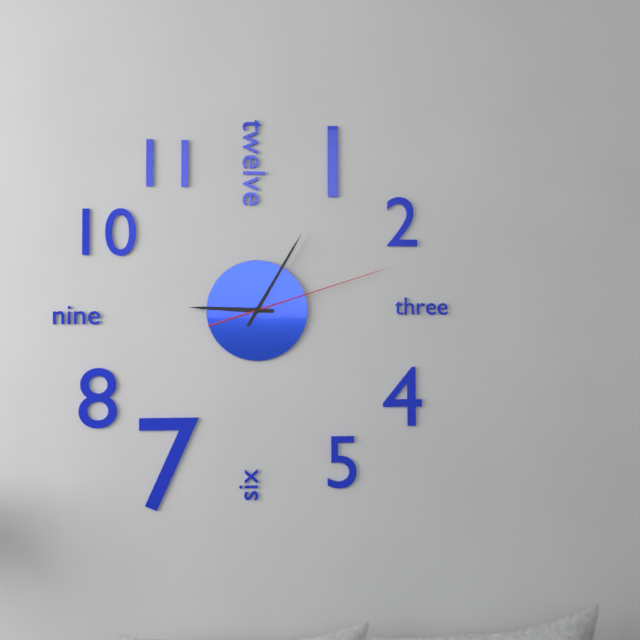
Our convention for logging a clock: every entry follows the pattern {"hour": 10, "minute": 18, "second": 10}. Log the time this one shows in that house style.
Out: {"hour": 9, "minute": 5, "second": 12}
